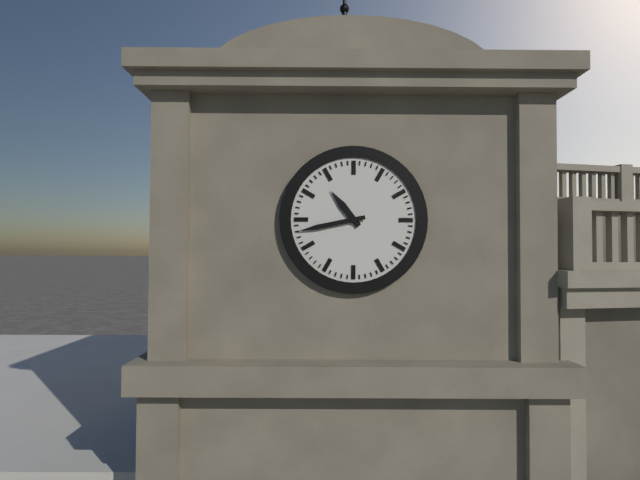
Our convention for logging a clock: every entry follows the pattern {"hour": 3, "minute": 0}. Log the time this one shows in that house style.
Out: {"hour": 10, "minute": 43}
